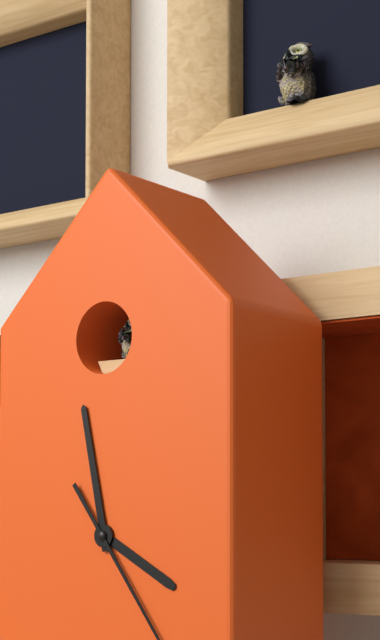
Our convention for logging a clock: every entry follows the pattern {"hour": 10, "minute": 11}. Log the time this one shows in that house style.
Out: {"hour": 3, "minute": 58}
